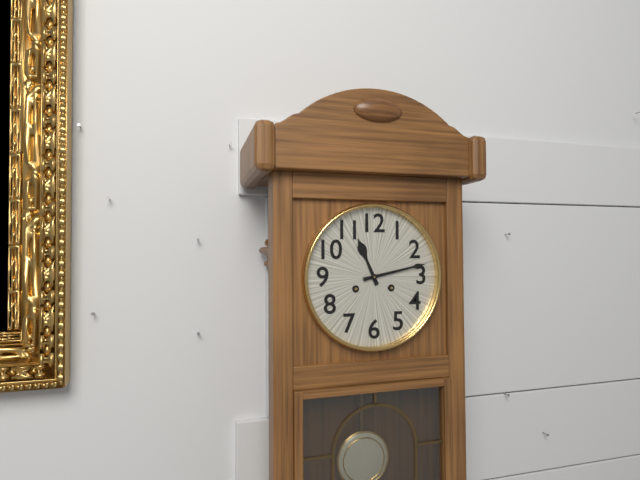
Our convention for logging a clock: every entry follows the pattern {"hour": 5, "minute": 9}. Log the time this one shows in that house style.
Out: {"hour": 11, "minute": 13}
